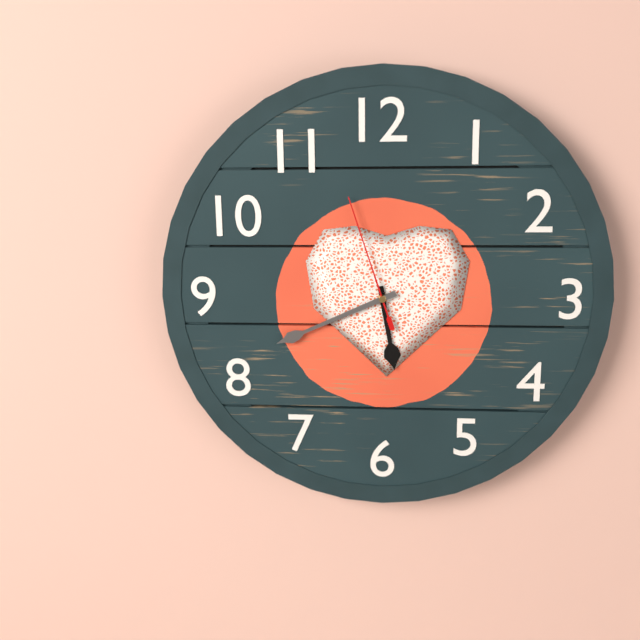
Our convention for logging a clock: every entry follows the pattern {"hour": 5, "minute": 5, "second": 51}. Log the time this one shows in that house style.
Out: {"hour": 5, "minute": 41, "second": 57}
